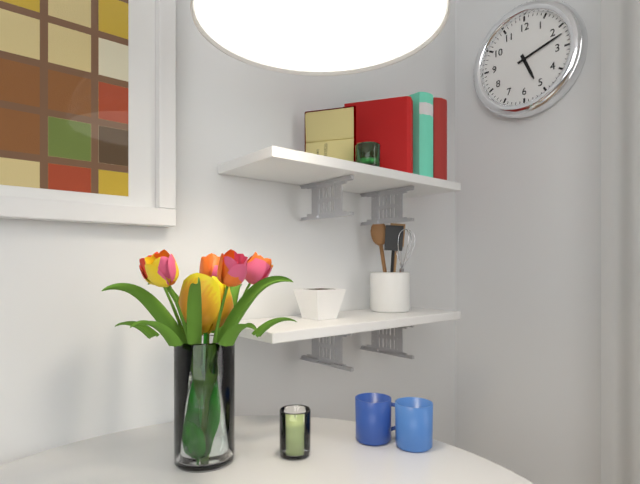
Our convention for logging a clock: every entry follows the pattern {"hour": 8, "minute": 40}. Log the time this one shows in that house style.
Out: {"hour": 5, "minute": 12}
